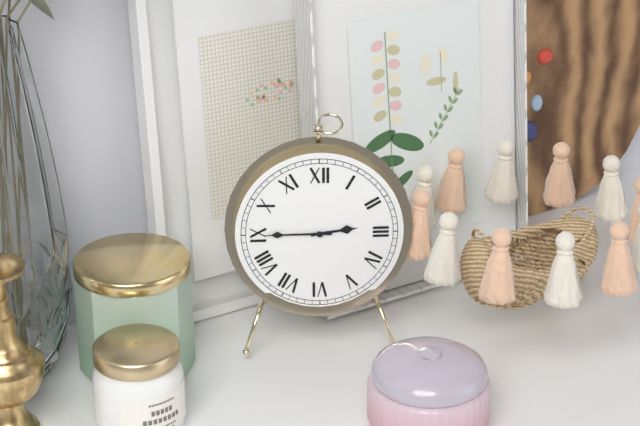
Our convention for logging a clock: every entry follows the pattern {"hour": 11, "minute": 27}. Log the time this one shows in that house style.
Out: {"hour": 2, "minute": 45}
